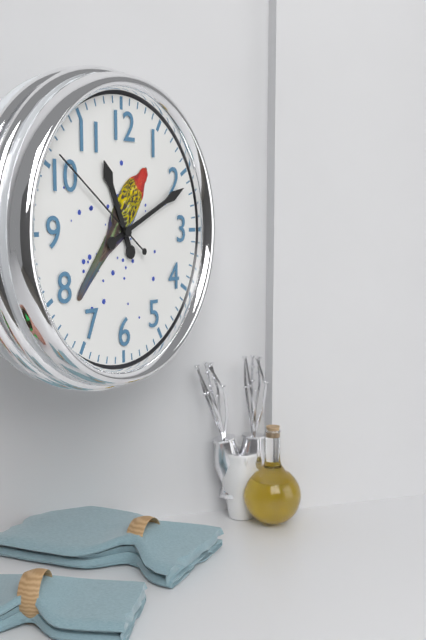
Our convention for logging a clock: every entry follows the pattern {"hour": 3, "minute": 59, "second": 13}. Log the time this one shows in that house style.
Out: {"hour": 11, "minute": 11, "second": 51}
